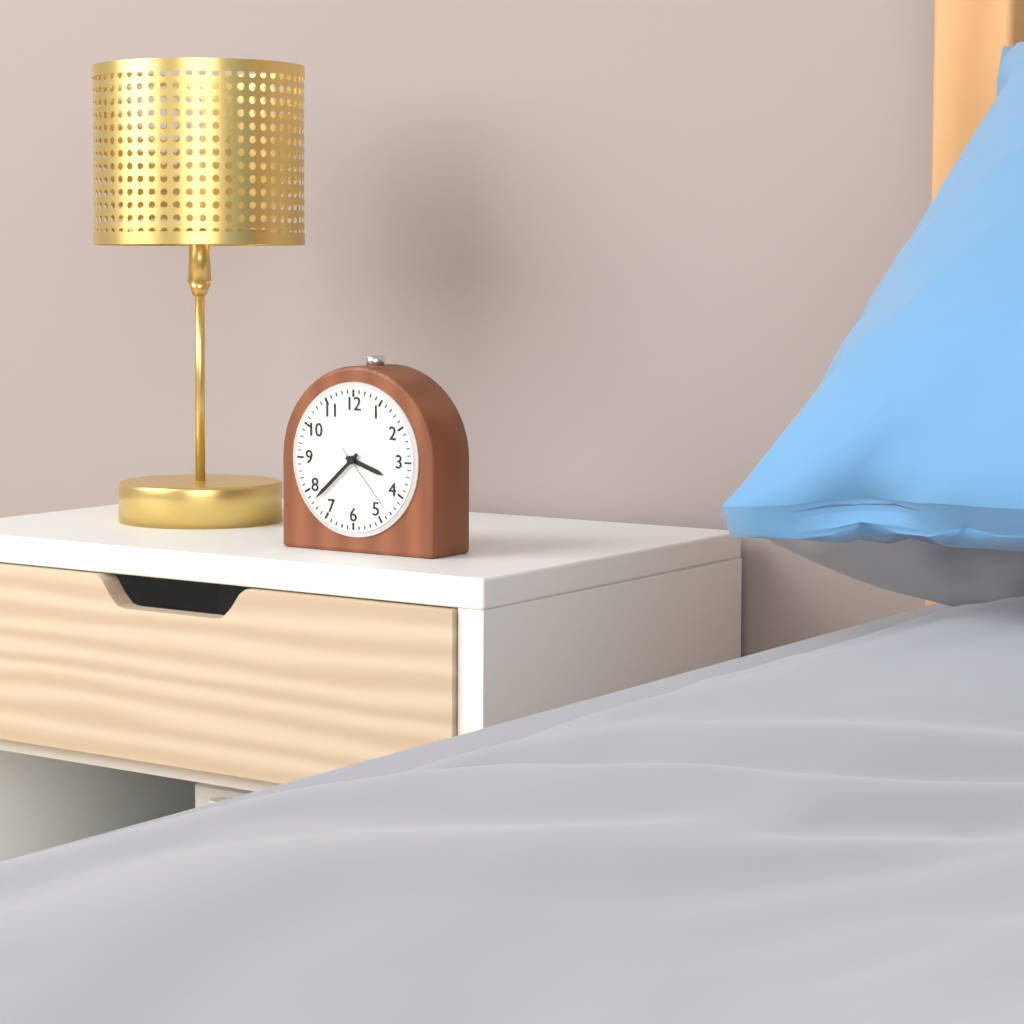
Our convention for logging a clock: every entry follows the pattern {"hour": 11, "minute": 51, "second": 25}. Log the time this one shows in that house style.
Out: {"hour": 3, "minute": 38, "second": 23}
